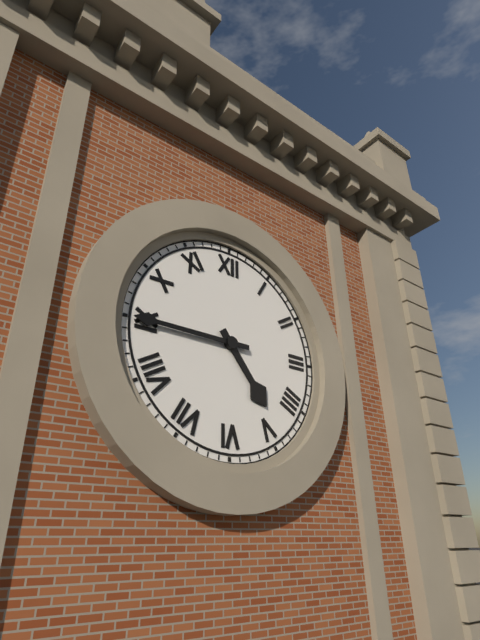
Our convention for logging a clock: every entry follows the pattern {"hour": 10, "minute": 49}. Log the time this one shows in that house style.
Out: {"hour": 4, "minute": 45}
